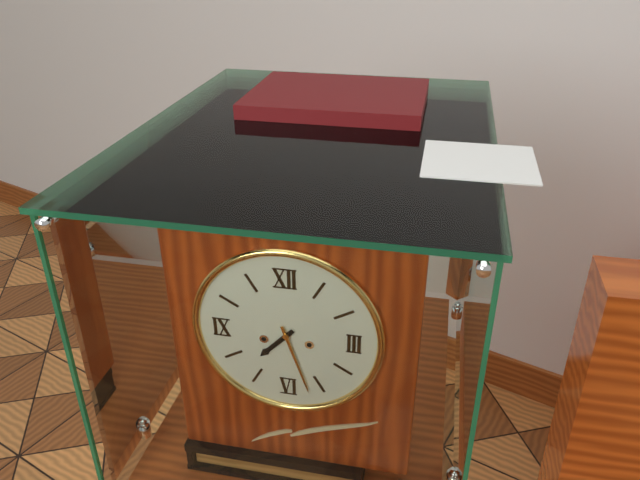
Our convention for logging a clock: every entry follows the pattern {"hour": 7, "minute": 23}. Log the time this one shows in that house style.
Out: {"hour": 7, "minute": 27}
